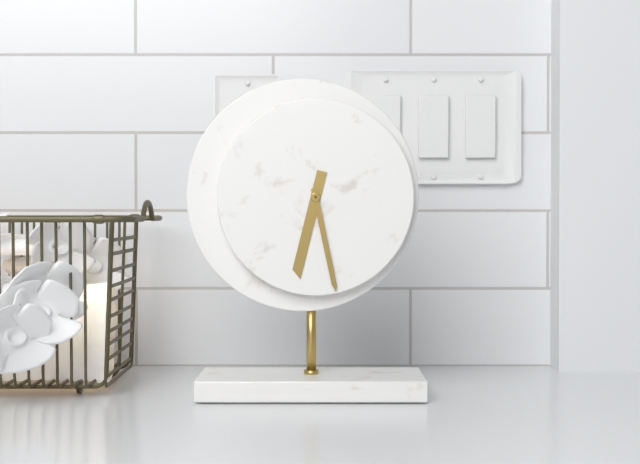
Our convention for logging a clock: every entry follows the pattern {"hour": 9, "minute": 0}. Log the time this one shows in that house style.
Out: {"hour": 6, "minute": 28}
